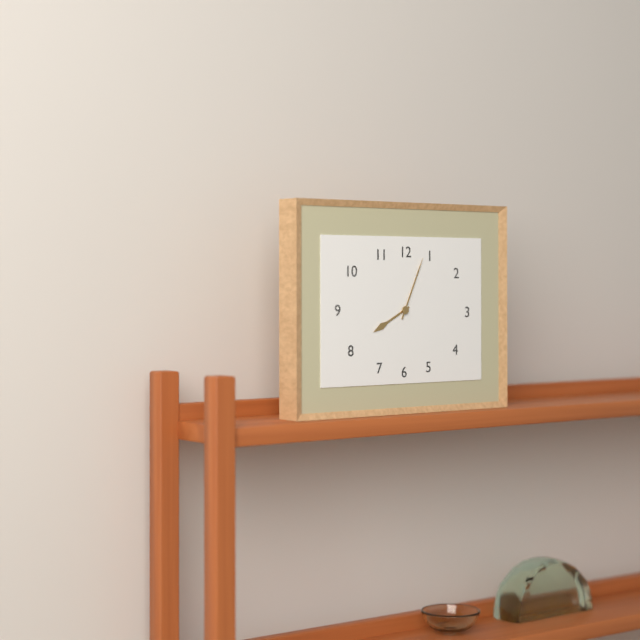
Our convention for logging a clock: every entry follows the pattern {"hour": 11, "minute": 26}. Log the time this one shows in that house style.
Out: {"hour": 8, "minute": 4}
